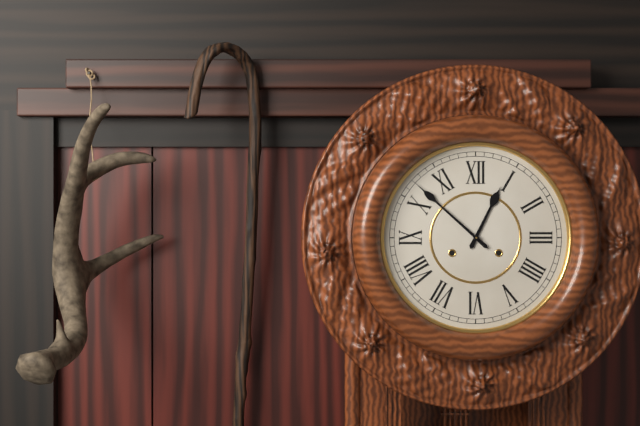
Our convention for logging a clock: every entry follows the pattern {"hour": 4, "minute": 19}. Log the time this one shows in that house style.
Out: {"hour": 12, "minute": 52}
